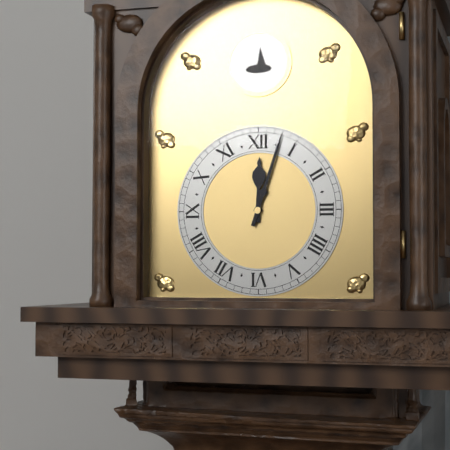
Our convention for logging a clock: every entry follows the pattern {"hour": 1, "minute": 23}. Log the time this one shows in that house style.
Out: {"hour": 12, "minute": 3}
